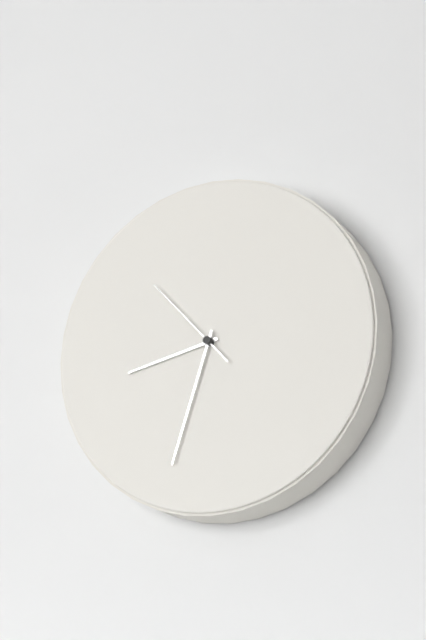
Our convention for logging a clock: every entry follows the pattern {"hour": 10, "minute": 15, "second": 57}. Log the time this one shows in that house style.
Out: {"hour": 8, "minute": 33, "second": 53}
